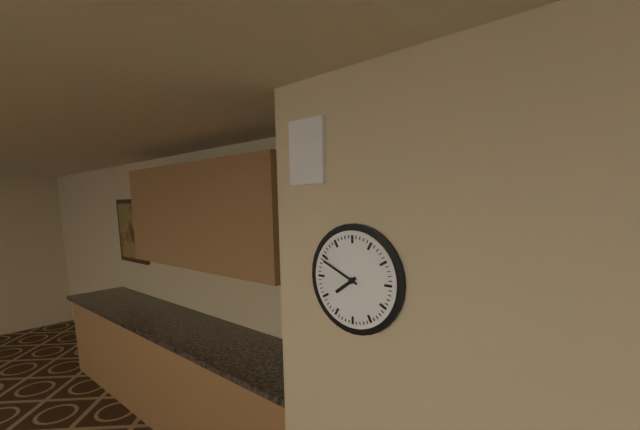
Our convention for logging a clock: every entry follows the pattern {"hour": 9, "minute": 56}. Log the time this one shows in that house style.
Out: {"hour": 7, "minute": 49}
